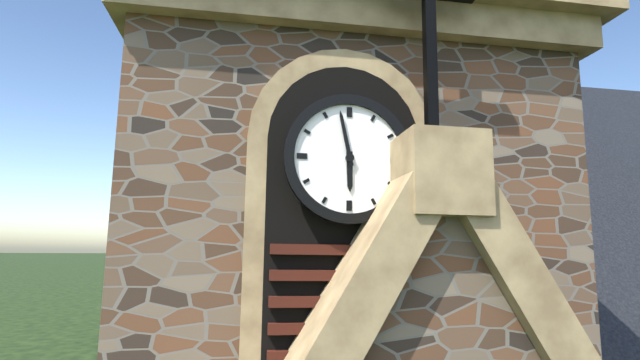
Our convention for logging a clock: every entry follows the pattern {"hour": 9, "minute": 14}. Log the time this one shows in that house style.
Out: {"hour": 5, "minute": 58}
